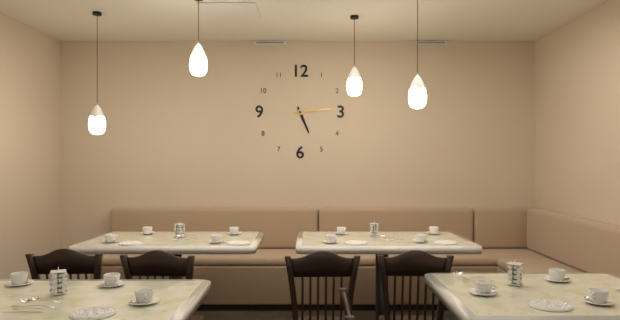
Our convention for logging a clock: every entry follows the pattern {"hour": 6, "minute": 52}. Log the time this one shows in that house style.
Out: {"hour": 5, "minute": 14}
